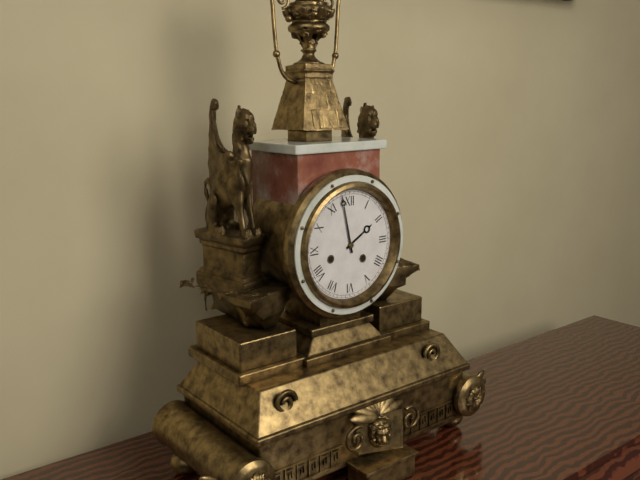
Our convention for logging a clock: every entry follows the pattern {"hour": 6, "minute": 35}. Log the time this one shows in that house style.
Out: {"hour": 1, "minute": 58}
